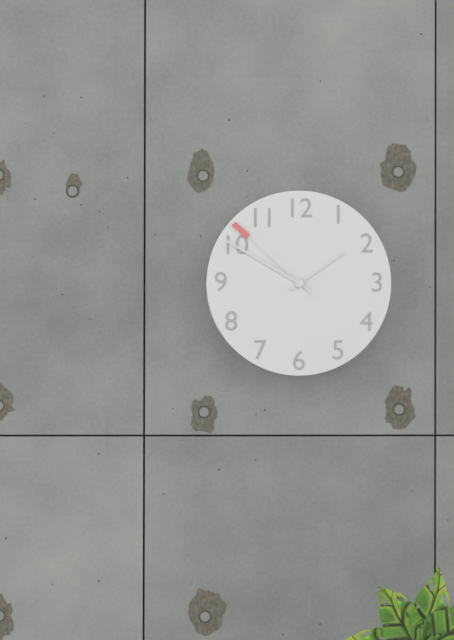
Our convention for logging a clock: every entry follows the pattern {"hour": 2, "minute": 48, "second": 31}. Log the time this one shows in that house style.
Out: {"hour": 1, "minute": 50, "second": 52}
